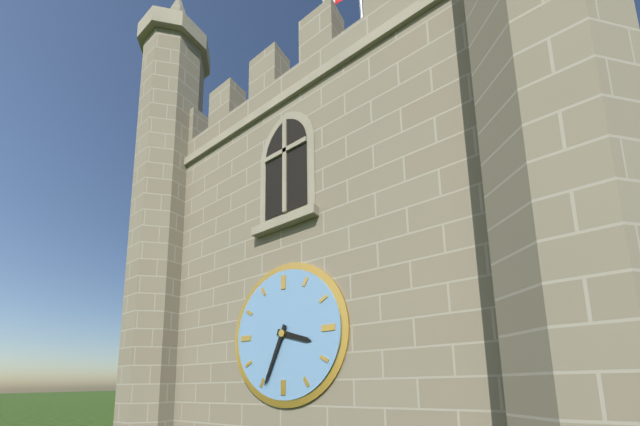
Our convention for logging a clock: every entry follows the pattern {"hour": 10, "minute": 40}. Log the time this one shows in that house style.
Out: {"hour": 3, "minute": 34}
